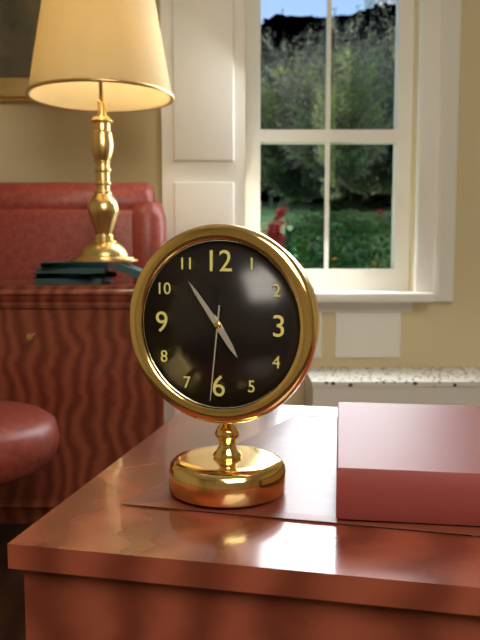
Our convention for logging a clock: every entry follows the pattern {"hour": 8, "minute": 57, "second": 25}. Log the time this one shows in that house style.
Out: {"hour": 4, "minute": 54, "second": 31}
